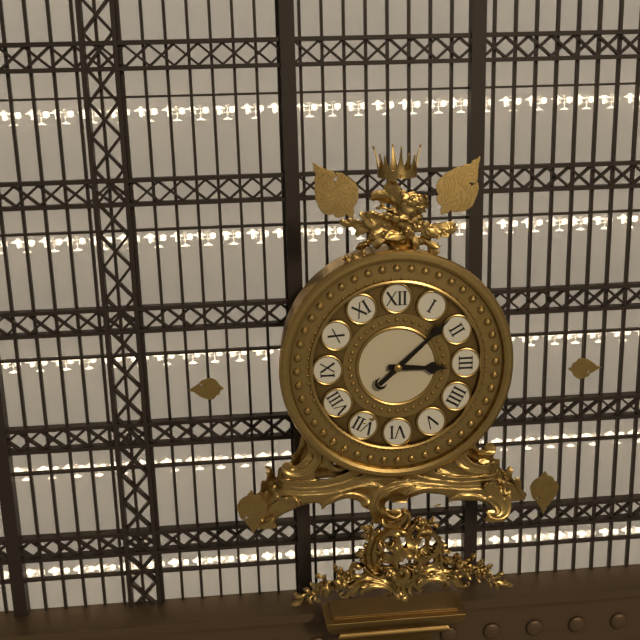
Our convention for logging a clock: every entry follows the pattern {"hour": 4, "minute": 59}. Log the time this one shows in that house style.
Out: {"hour": 3, "minute": 8}
